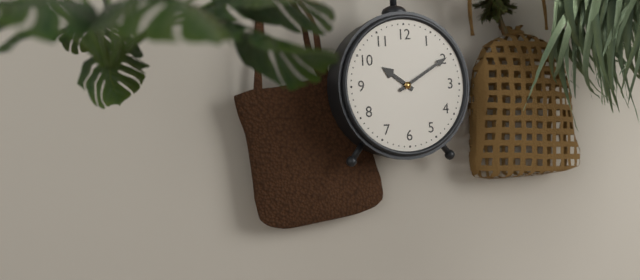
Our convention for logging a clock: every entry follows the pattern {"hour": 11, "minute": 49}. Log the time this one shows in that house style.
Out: {"hour": 10, "minute": 10}
